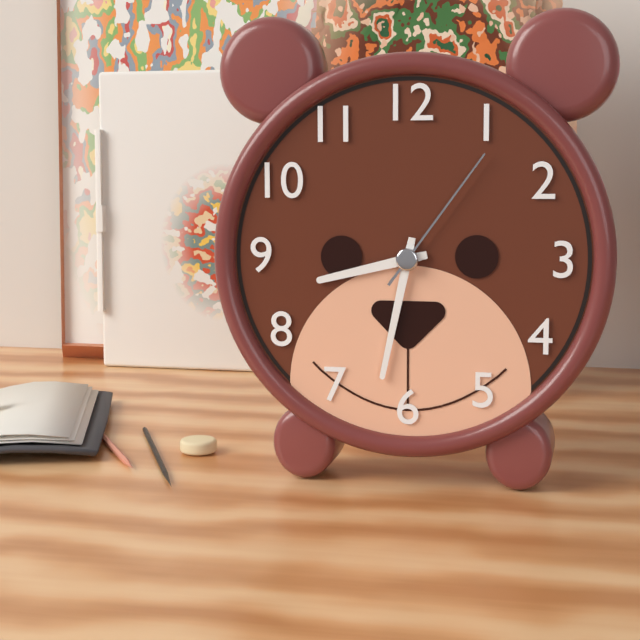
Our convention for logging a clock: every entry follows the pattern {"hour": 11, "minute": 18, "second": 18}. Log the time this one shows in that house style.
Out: {"hour": 8, "minute": 32, "second": 6}
